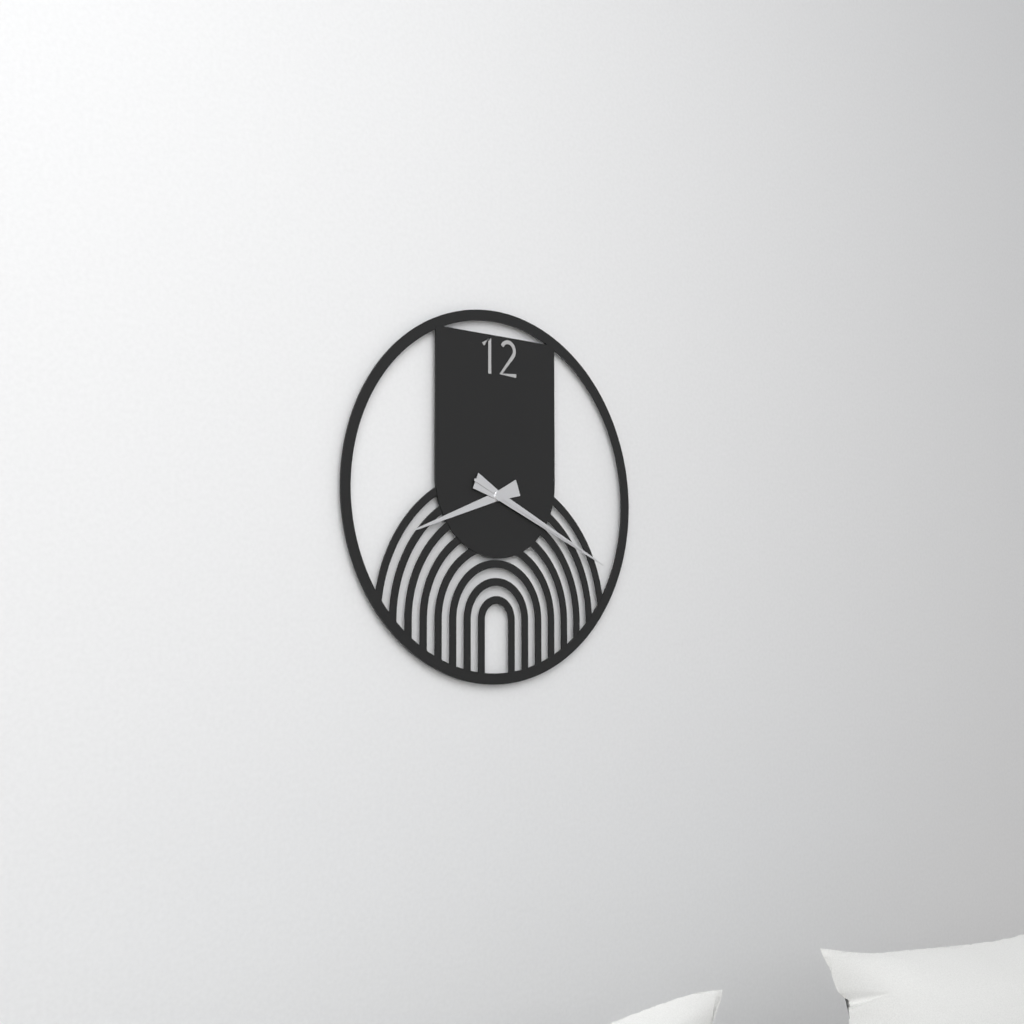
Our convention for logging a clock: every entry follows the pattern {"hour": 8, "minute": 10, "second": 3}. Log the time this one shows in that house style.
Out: {"hour": 8, "minute": 19, "second": 19}
